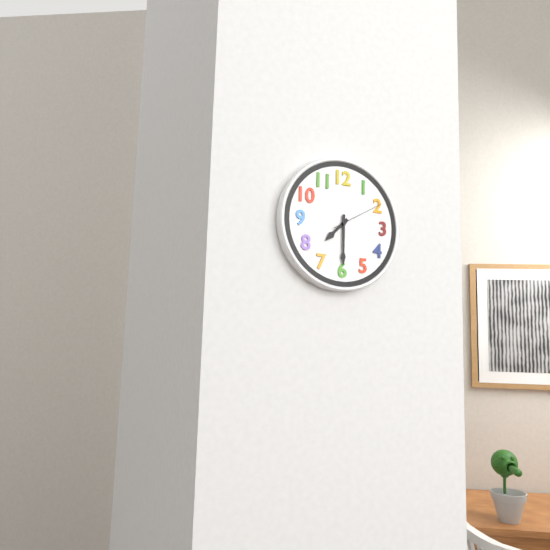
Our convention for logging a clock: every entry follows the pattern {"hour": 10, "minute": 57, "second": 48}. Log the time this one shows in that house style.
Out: {"hour": 7, "minute": 30, "second": 10}
